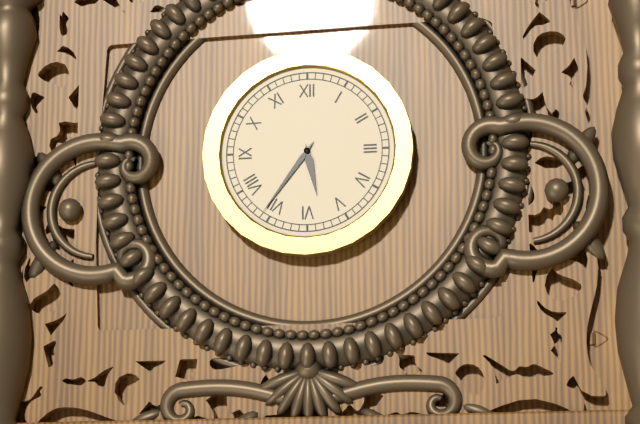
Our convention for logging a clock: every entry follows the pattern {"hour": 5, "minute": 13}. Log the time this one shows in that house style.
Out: {"hour": 5, "minute": 36}
